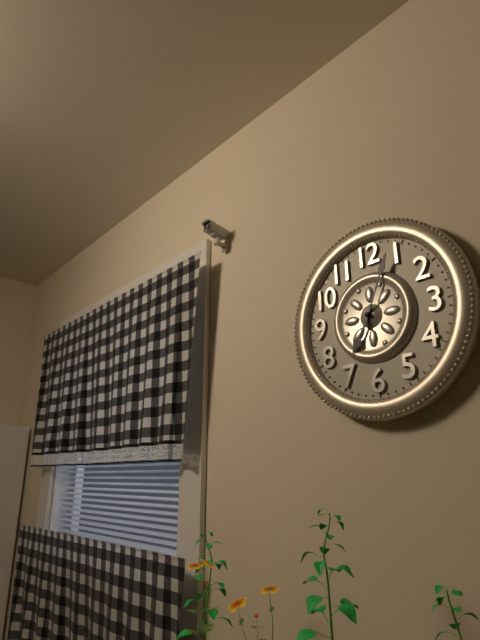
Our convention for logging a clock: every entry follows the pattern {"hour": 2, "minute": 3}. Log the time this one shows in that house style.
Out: {"hour": 7, "minute": 4}
